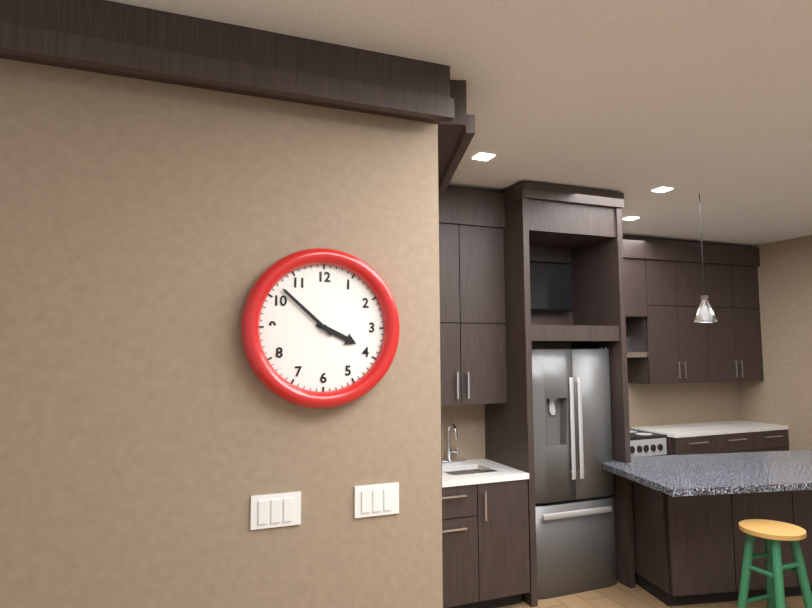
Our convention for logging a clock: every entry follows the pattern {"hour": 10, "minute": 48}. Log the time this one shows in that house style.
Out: {"hour": 3, "minute": 52}
